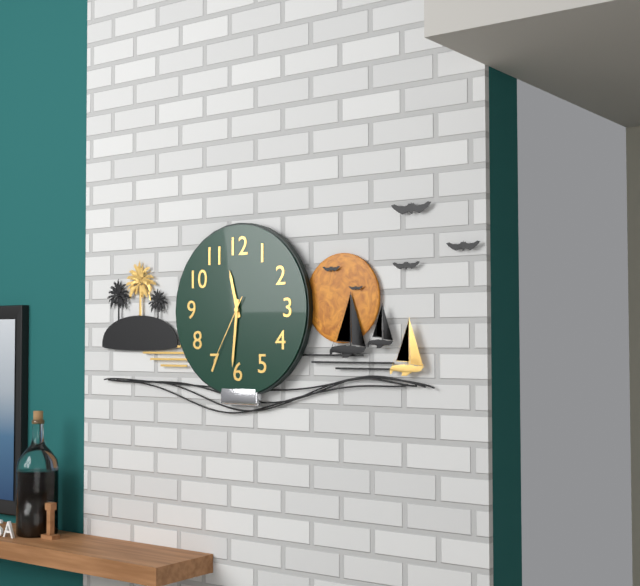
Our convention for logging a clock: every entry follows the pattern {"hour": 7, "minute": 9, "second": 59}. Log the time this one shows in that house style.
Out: {"hour": 11, "minute": 31, "second": 35}
